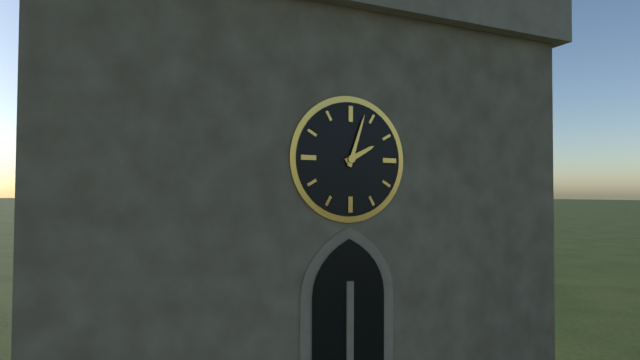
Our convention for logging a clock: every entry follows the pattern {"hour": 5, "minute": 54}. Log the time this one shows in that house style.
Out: {"hour": 2, "minute": 3}
